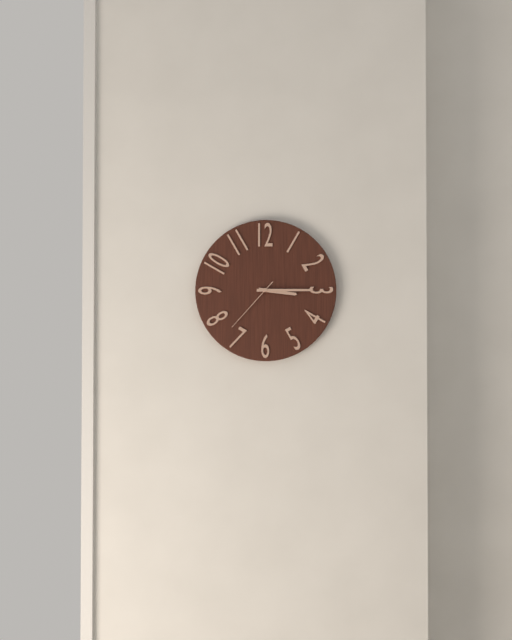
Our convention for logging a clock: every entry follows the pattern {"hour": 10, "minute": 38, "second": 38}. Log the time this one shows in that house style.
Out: {"hour": 3, "minute": 15, "second": 37}
